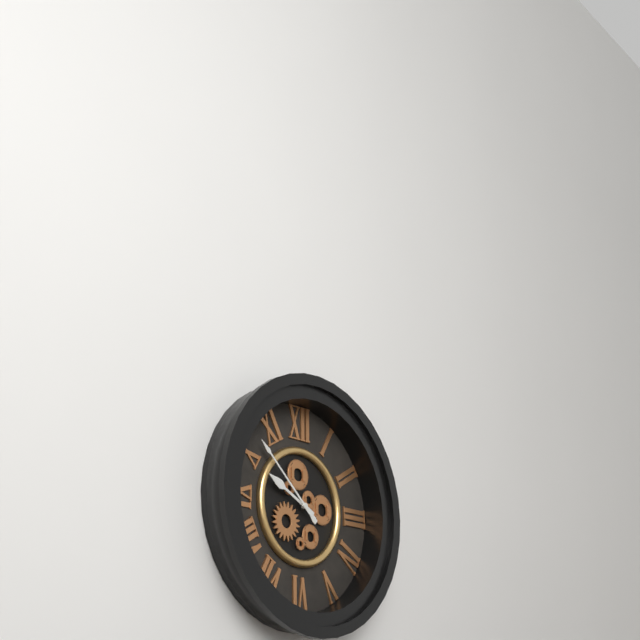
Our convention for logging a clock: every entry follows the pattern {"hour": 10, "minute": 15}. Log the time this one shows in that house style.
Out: {"hour": 9, "minute": 52}
